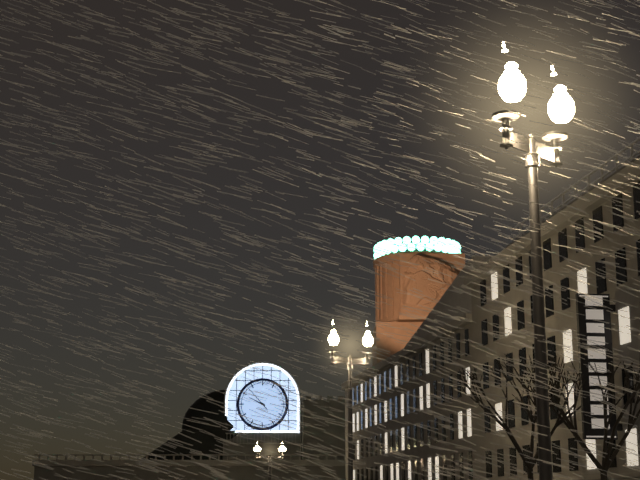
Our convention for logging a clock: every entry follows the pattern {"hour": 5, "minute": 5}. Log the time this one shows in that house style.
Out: {"hour": 9, "minute": 53}
